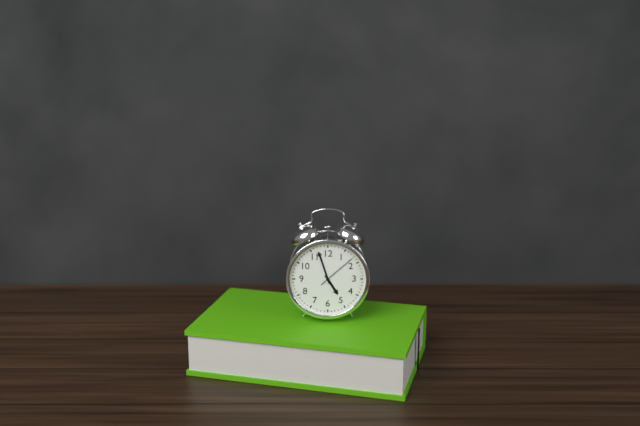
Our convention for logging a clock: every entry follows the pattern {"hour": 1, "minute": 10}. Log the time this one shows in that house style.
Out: {"hour": 4, "minute": 57}
